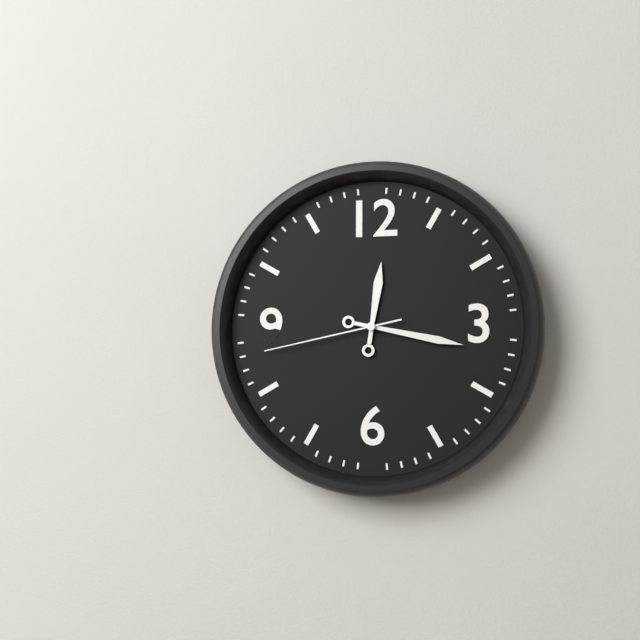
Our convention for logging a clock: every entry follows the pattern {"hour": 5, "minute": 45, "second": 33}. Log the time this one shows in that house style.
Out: {"hour": 12, "minute": 17, "second": 43}
